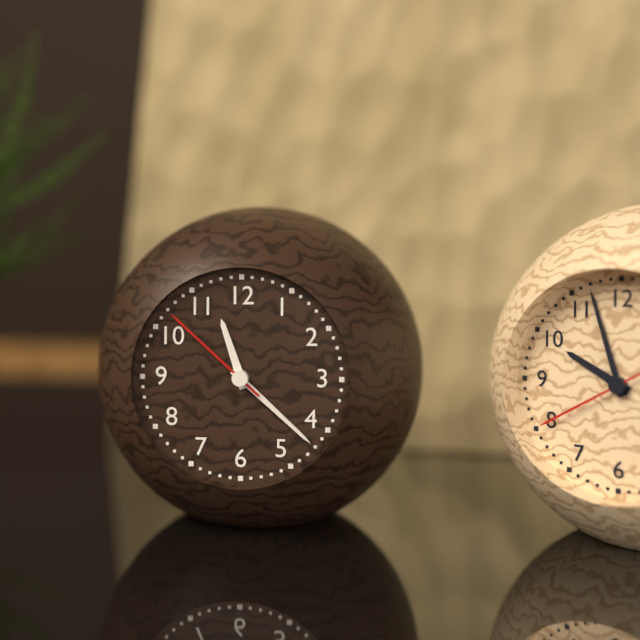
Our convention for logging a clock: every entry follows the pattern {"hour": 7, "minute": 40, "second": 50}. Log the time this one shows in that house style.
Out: {"hour": 11, "minute": 22, "second": 52}
